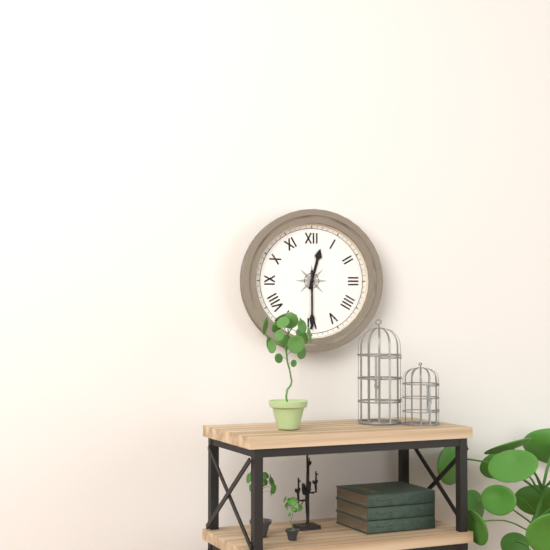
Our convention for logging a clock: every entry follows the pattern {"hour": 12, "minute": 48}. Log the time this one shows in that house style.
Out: {"hour": 12, "minute": 30}
